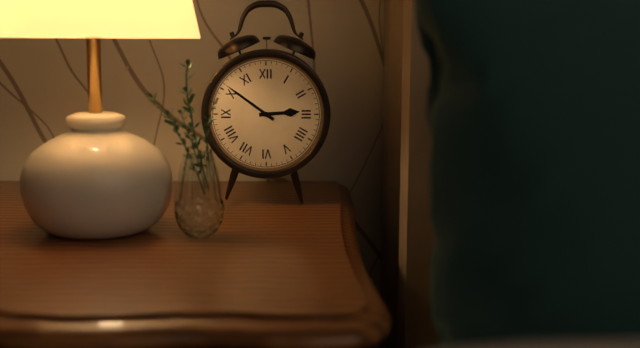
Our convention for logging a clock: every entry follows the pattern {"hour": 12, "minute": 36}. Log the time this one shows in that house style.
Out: {"hour": 2, "minute": 51}
